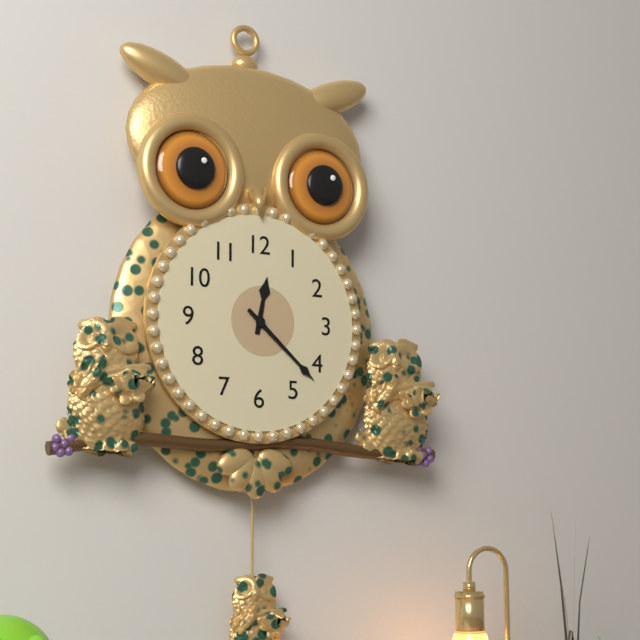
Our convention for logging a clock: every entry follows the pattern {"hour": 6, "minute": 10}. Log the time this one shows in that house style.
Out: {"hour": 12, "minute": 22}
